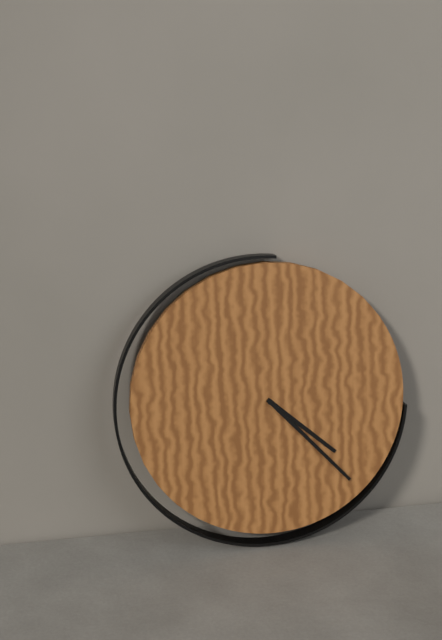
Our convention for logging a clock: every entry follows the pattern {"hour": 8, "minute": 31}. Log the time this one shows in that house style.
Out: {"hour": 4, "minute": 23}
